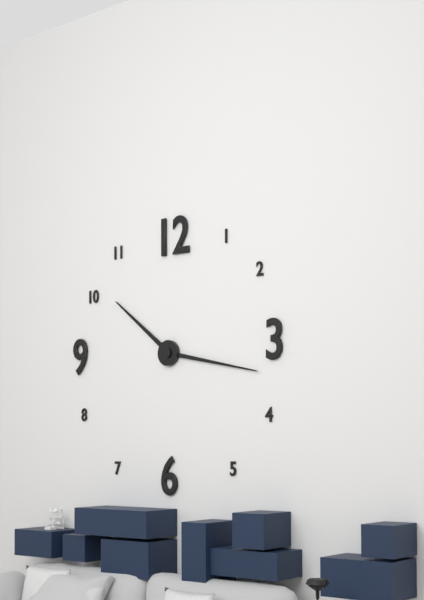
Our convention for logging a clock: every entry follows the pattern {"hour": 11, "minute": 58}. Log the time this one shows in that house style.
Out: {"hour": 10, "minute": 17}
